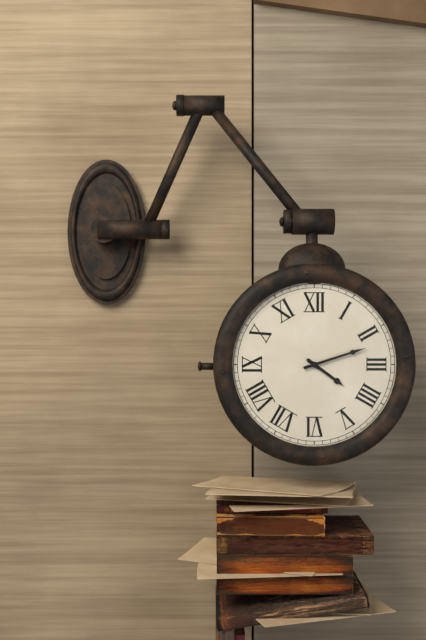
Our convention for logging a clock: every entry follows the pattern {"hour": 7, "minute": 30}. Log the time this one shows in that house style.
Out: {"hour": 4, "minute": 12}
